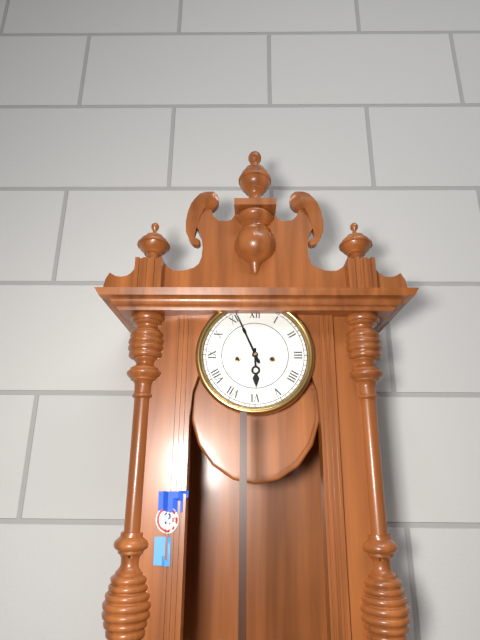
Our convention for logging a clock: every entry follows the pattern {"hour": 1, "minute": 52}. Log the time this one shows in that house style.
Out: {"hour": 5, "minute": 56}
